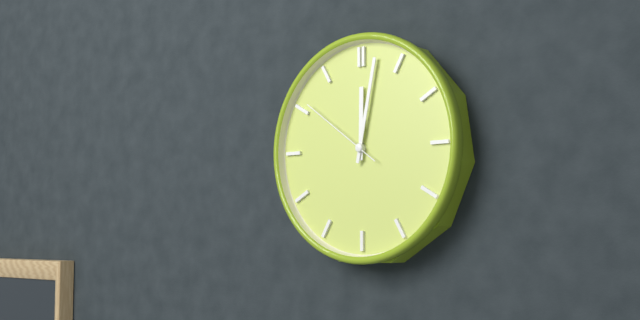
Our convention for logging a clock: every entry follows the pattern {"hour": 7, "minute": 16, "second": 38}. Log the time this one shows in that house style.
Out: {"hour": 12, "minute": 2, "second": 51}
